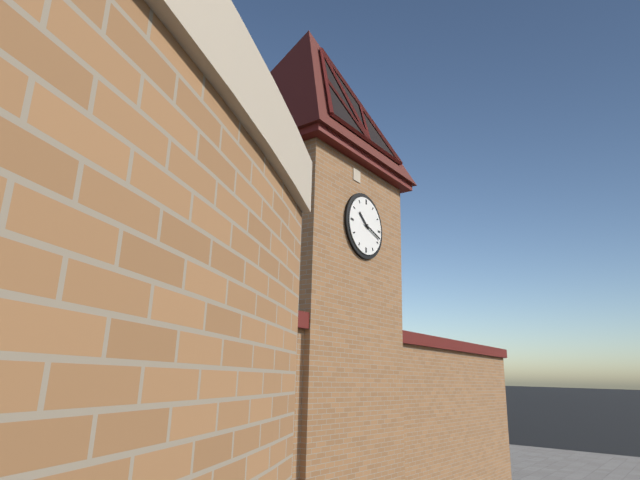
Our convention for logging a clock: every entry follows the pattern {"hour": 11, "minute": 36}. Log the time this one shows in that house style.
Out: {"hour": 10, "minute": 18}
